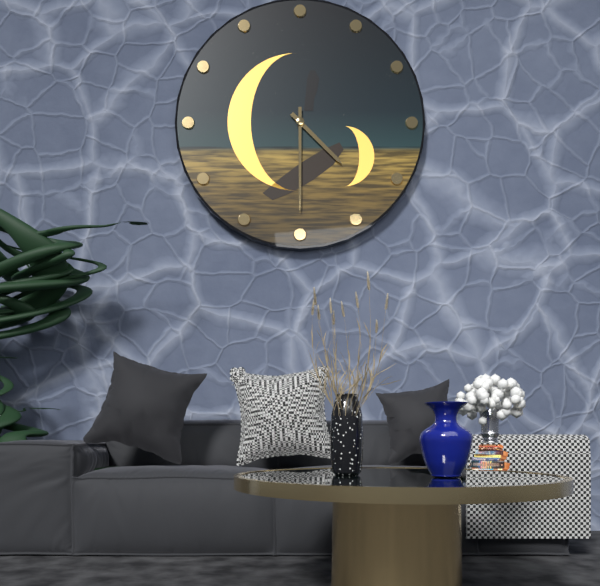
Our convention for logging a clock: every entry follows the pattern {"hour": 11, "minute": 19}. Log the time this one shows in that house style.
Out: {"hour": 4, "minute": 30}
